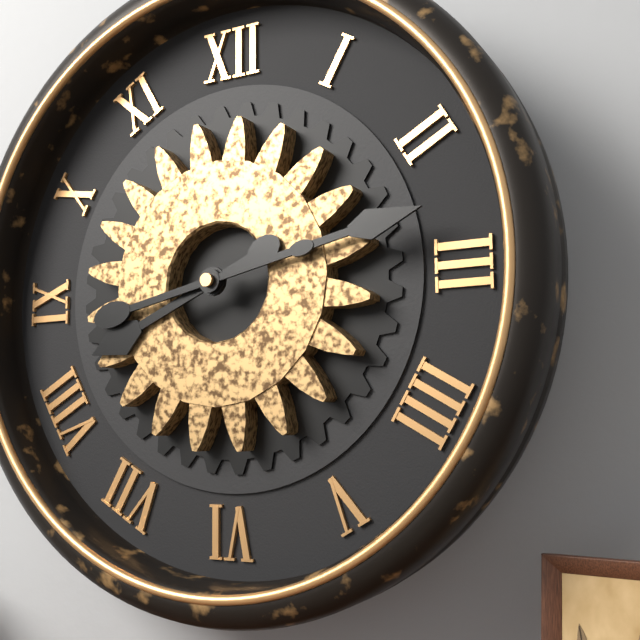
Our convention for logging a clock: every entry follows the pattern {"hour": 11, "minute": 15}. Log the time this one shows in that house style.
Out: {"hour": 8, "minute": 13}
